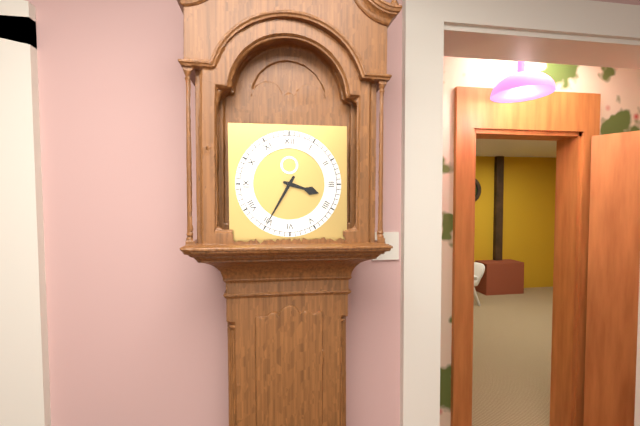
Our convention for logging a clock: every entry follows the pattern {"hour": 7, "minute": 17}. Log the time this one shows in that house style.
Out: {"hour": 3, "minute": 35}
